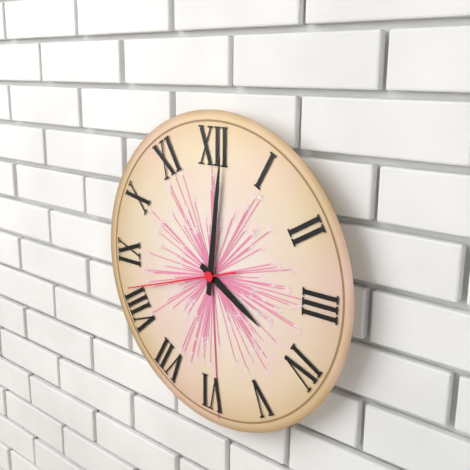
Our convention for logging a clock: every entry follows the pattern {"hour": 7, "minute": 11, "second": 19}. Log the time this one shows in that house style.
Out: {"hour": 4, "minute": 1, "second": 42}
